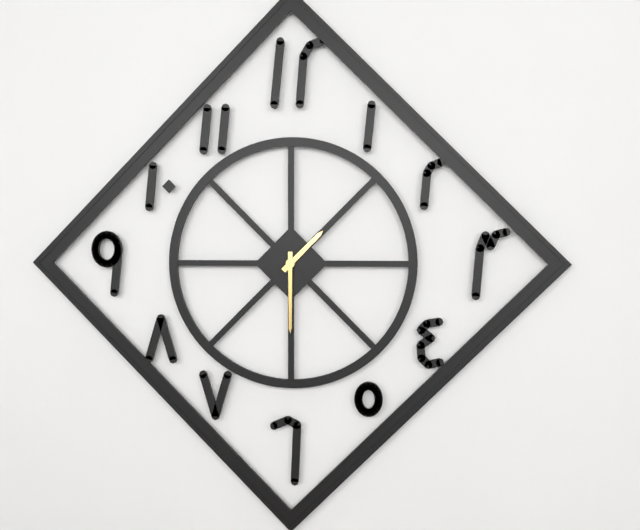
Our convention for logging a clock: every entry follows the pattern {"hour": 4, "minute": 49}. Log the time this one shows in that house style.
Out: {"hour": 1, "minute": 30}
